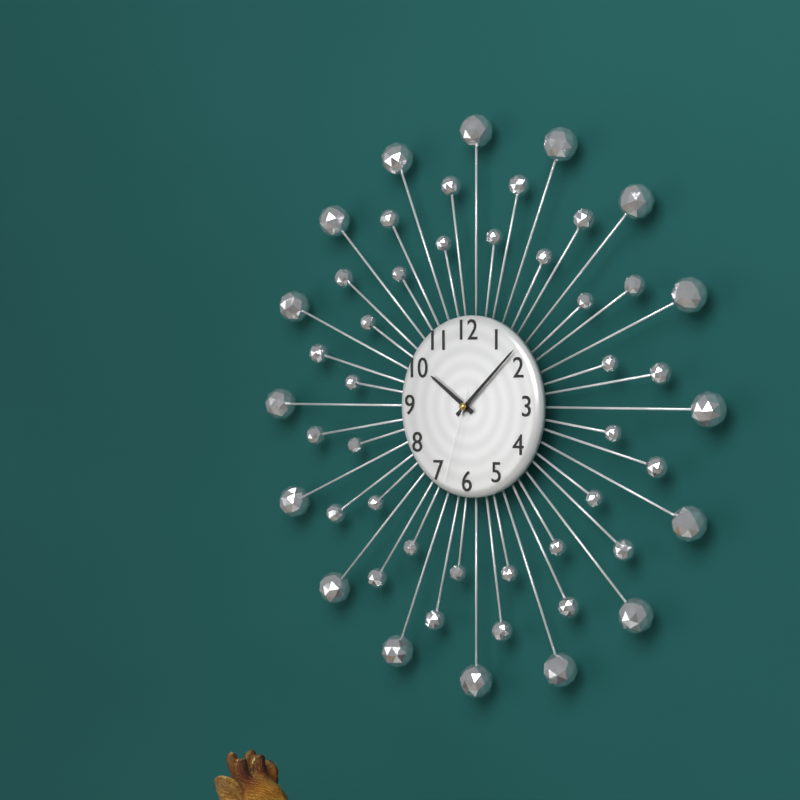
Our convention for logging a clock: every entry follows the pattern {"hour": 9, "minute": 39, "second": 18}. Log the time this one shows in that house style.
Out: {"hour": 10, "minute": 8, "second": 33}
